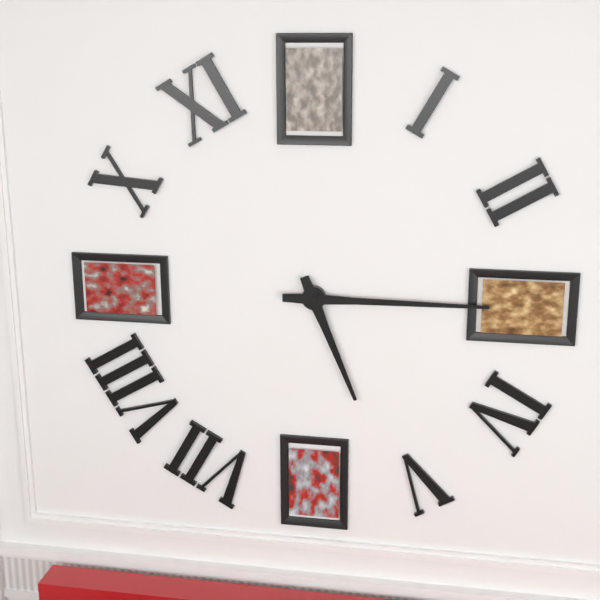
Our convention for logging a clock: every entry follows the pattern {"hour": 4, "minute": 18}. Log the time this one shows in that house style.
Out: {"hour": 5, "minute": 15}
